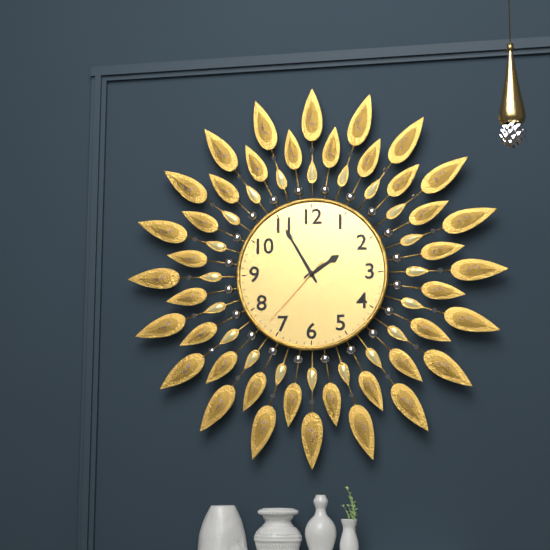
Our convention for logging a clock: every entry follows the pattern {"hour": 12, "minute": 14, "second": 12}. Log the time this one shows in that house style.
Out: {"hour": 1, "minute": 55, "second": 37}
